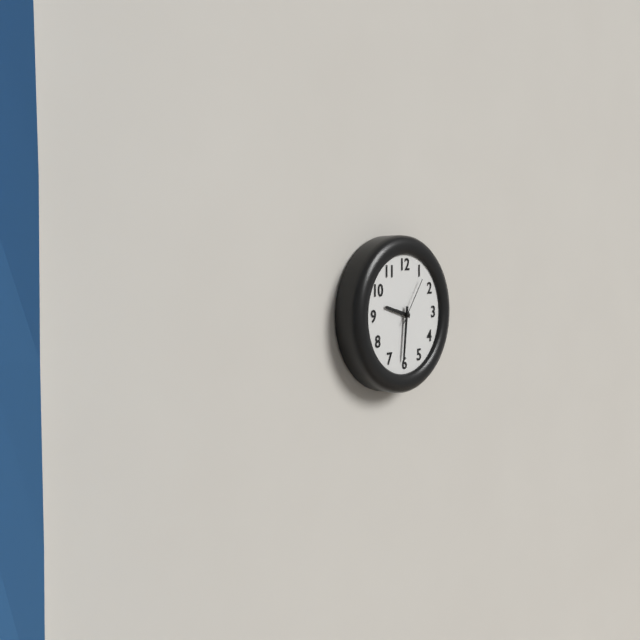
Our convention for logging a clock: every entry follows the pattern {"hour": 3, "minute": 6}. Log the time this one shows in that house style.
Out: {"hour": 9, "minute": 31}
